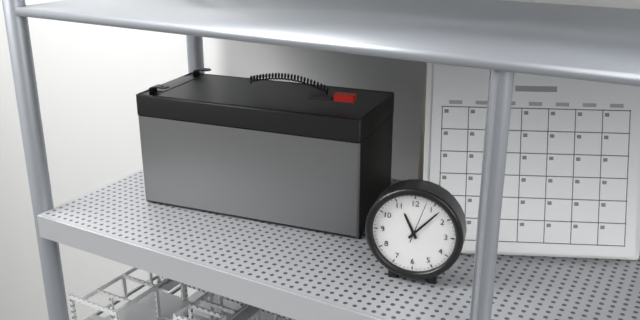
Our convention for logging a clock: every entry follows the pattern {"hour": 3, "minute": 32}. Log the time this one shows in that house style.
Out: {"hour": 11, "minute": 7}
